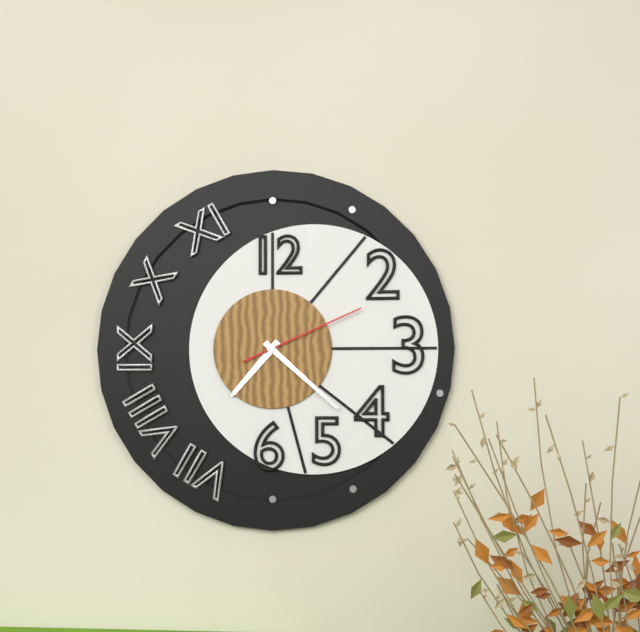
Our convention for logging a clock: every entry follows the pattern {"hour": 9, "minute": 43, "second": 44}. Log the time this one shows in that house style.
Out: {"hour": 7, "minute": 22, "second": 11}
